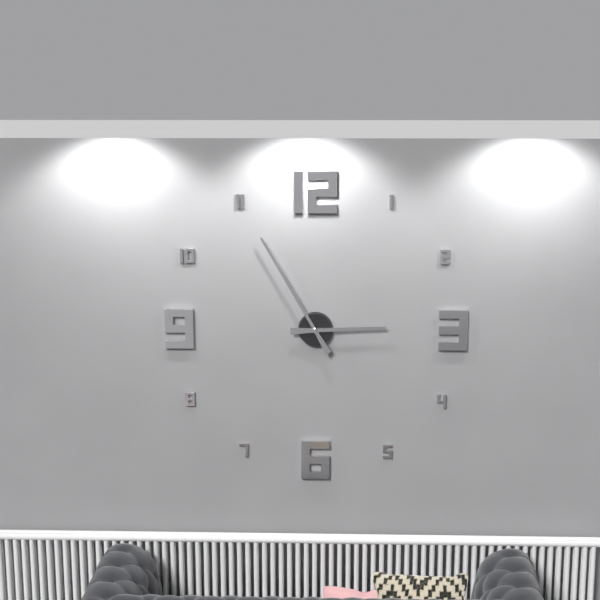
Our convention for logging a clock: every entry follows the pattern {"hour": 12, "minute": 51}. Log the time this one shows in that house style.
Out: {"hour": 2, "minute": 55}
